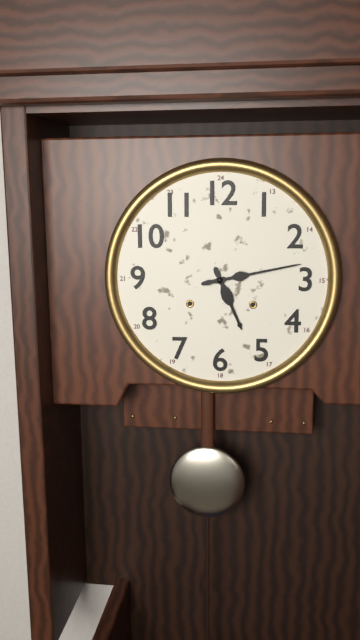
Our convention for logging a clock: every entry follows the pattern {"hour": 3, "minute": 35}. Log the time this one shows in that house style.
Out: {"hour": 5, "minute": 13}
